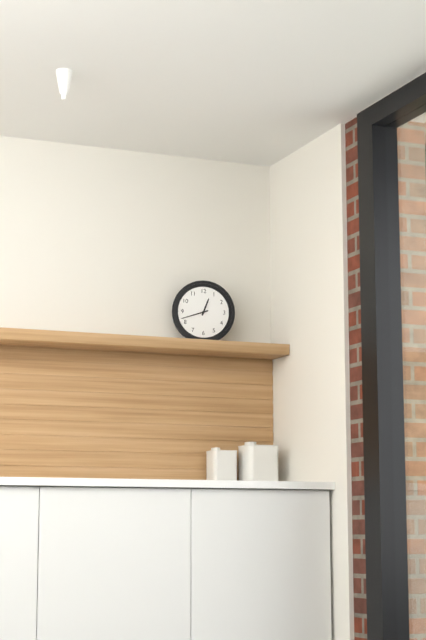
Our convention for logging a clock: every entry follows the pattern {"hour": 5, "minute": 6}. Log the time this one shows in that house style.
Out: {"hour": 12, "minute": 42}
